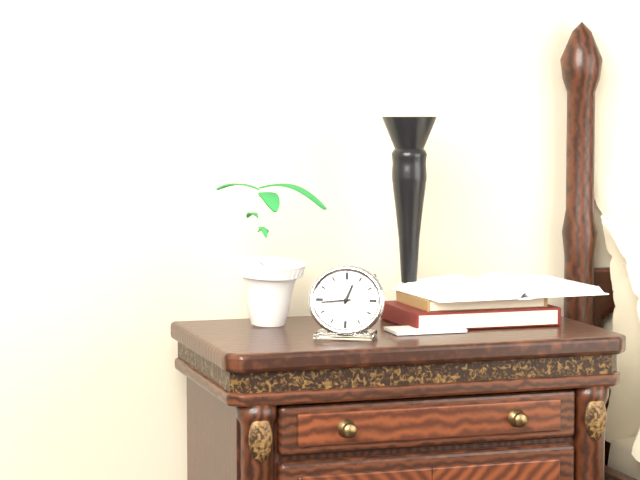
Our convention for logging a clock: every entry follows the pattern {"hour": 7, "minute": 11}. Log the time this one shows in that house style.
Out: {"hour": 12, "minute": 44}
